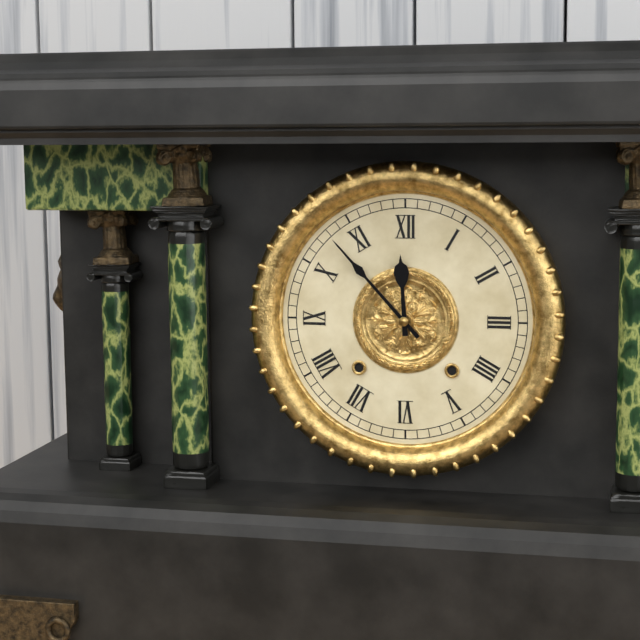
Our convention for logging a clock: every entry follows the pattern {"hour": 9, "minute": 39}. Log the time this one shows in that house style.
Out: {"hour": 11, "minute": 53}
